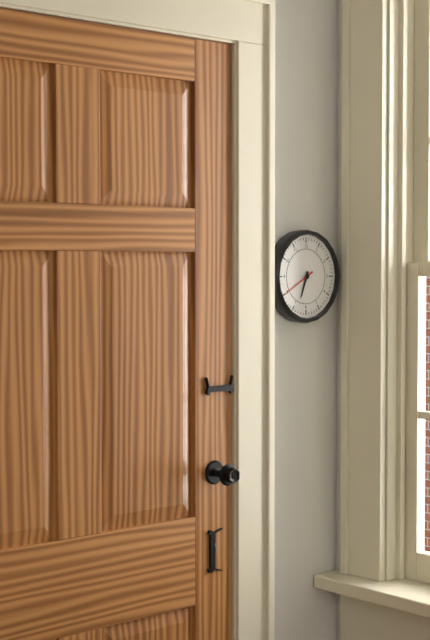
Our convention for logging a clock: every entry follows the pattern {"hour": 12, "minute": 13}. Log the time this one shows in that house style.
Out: {"hour": 6, "minute": 40}
